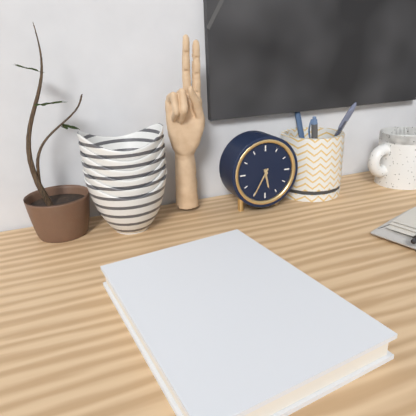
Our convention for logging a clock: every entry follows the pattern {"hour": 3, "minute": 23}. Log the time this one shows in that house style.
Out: {"hour": 5, "minute": 35}
